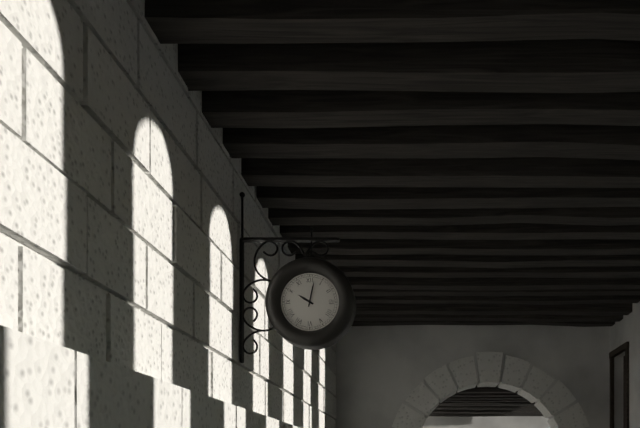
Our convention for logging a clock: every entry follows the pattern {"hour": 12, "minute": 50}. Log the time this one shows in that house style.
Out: {"hour": 10, "minute": 2}
